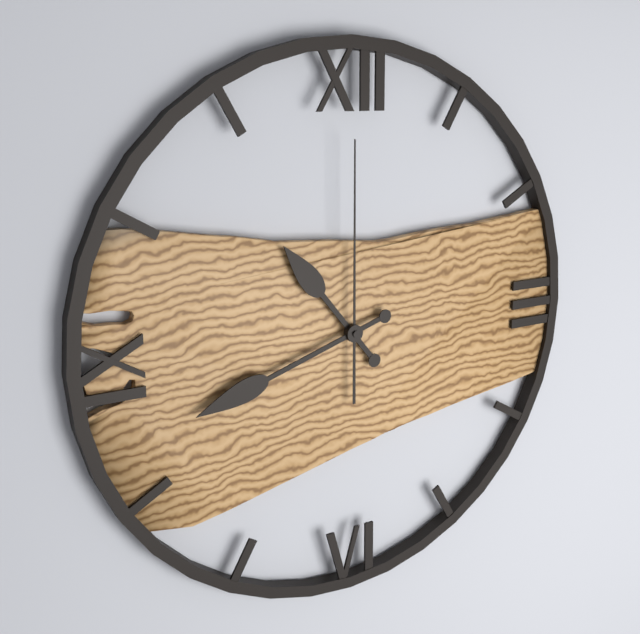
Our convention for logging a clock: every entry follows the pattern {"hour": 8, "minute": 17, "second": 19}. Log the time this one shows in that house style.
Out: {"hour": 10, "minute": 42, "second": 0}
